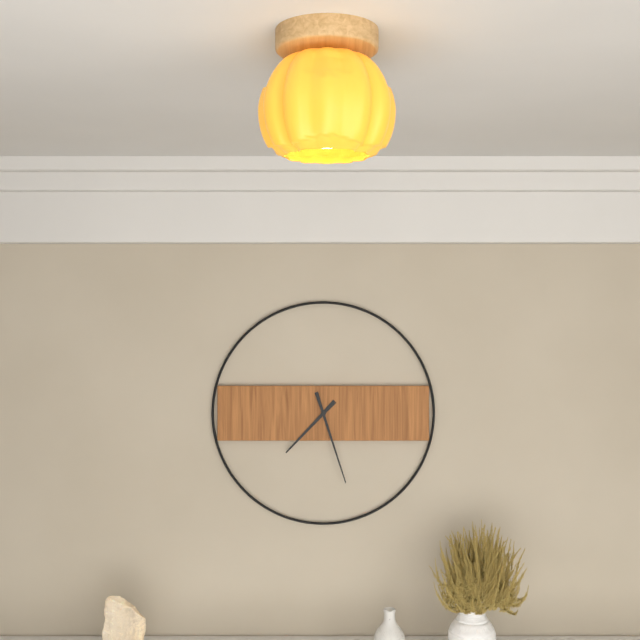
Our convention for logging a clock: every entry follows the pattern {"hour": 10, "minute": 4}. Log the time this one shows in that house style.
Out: {"hour": 7, "minute": 27}
